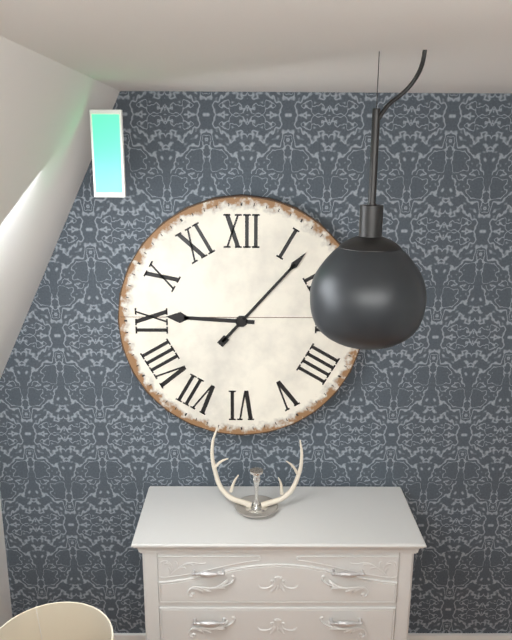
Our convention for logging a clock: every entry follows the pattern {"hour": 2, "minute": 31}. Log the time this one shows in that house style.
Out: {"hour": 9, "minute": 7}
